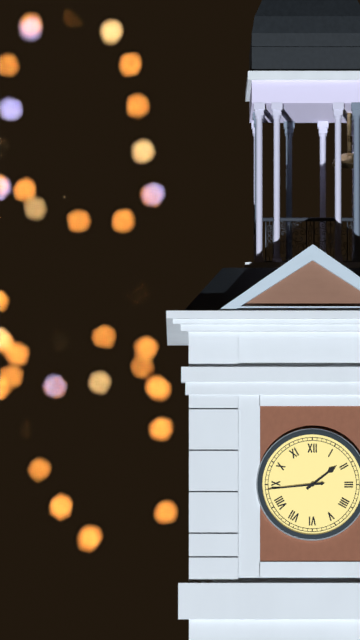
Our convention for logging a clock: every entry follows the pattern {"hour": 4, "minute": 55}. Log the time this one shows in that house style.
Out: {"hour": 1, "minute": 44}
